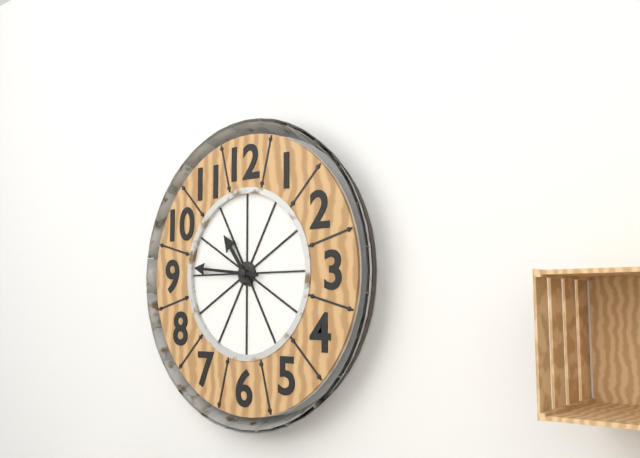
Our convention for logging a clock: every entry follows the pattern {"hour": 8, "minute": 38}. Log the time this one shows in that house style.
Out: {"hour": 10, "minute": 46}
